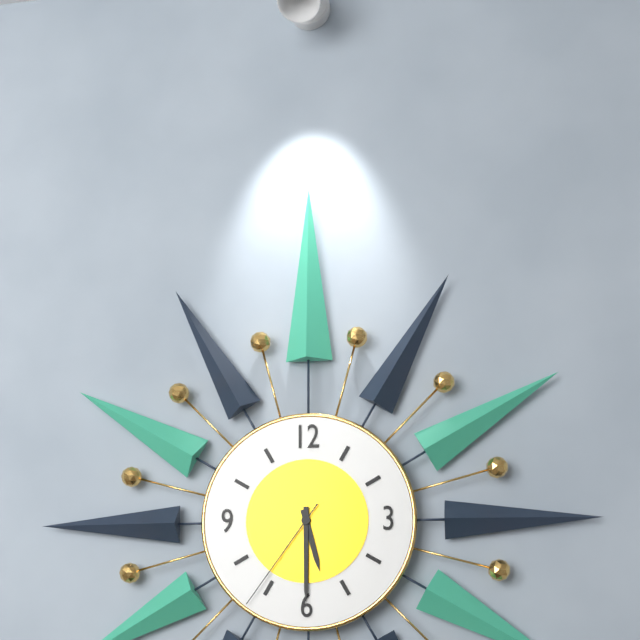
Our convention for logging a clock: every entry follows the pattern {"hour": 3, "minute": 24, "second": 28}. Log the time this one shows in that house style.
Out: {"hour": 5, "minute": 30, "second": 36}
